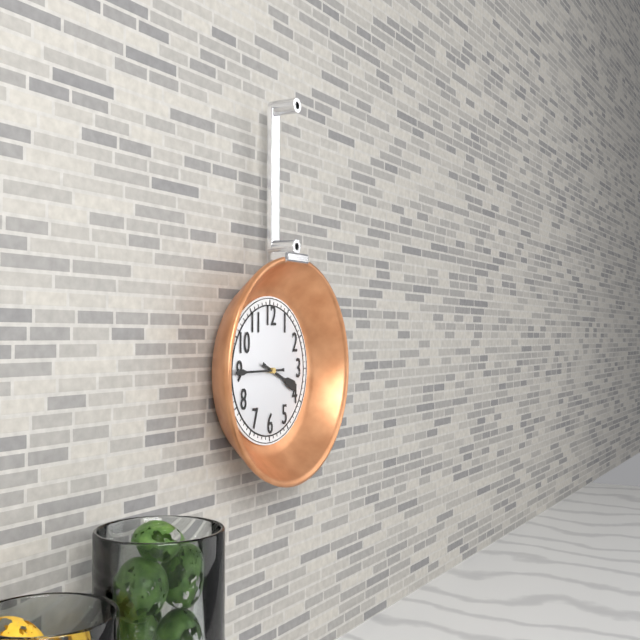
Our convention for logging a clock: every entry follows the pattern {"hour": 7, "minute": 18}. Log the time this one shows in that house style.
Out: {"hour": 3, "minute": 45}
